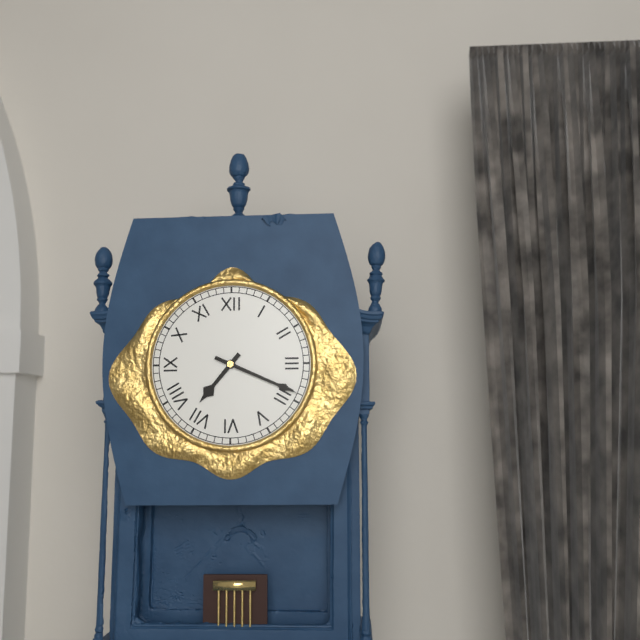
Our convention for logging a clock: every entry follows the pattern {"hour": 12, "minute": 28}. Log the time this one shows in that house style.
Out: {"hour": 7, "minute": 19}
